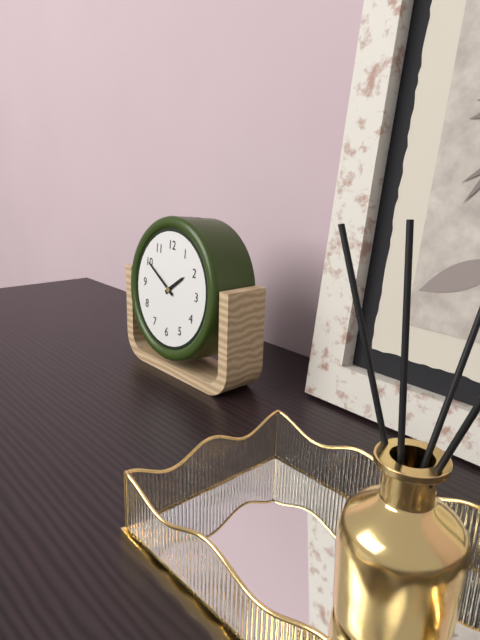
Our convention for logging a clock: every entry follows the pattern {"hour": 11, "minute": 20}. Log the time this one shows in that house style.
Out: {"hour": 1, "minute": 50}
